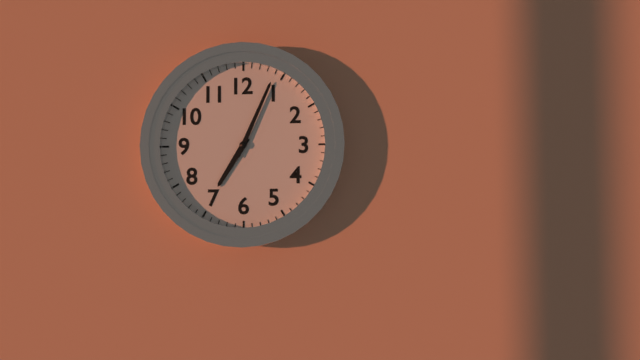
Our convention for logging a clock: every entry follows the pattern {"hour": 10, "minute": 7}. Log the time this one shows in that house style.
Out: {"hour": 7, "minute": 4}
